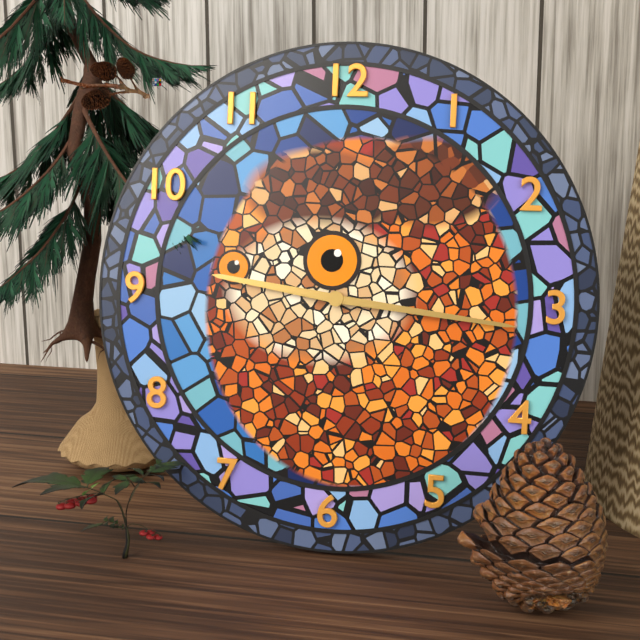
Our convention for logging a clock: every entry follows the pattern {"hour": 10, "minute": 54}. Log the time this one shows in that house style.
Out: {"hour": 9, "minute": 16}
